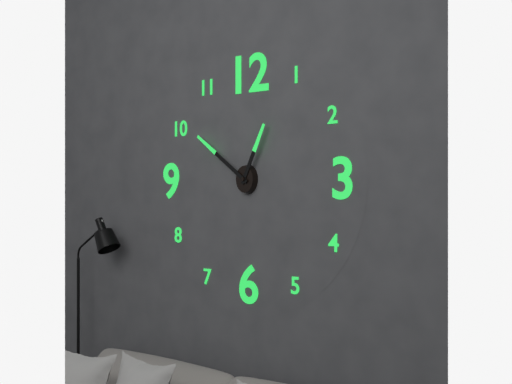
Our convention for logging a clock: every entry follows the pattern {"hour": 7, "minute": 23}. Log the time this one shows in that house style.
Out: {"hour": 12, "minute": 51}
